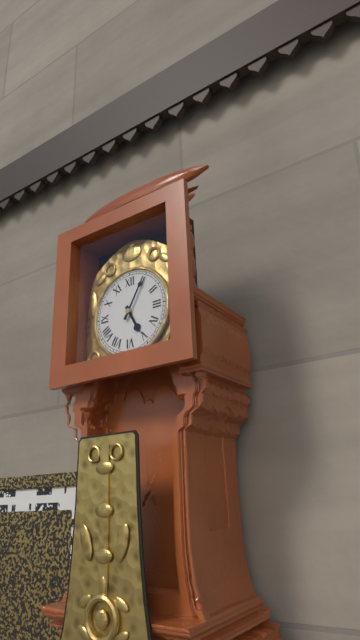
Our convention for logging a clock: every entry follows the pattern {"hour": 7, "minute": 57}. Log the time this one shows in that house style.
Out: {"hour": 5, "minute": 5}
